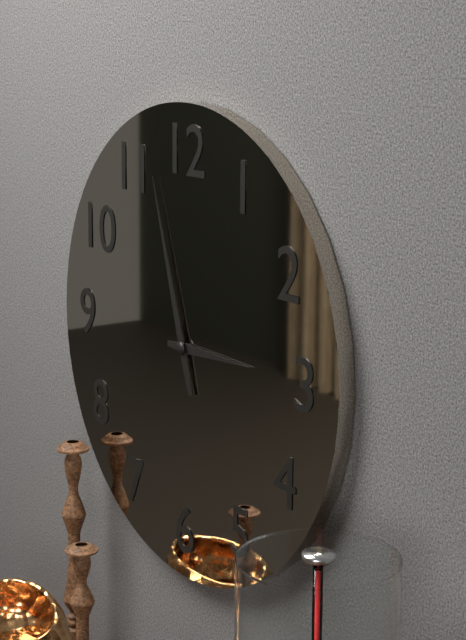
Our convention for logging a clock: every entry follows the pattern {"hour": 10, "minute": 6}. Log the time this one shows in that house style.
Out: {"hour": 2, "minute": 57}
